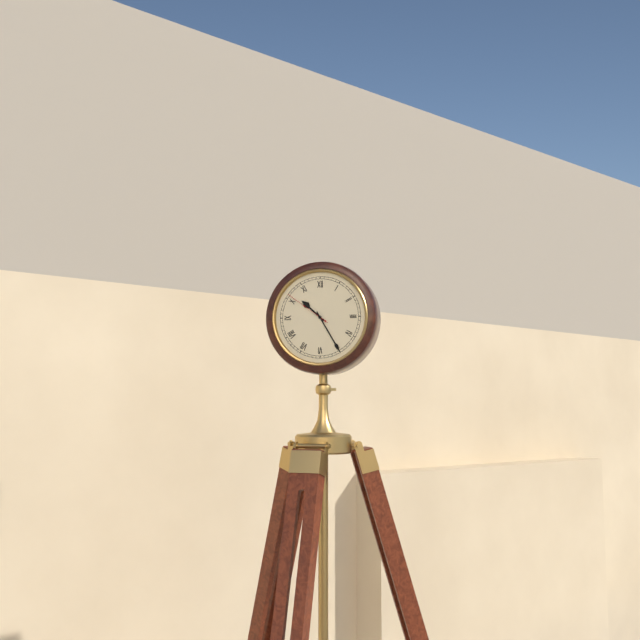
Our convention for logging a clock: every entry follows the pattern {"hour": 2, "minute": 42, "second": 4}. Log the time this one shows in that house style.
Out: {"hour": 10, "minute": 25, "second": 51}
